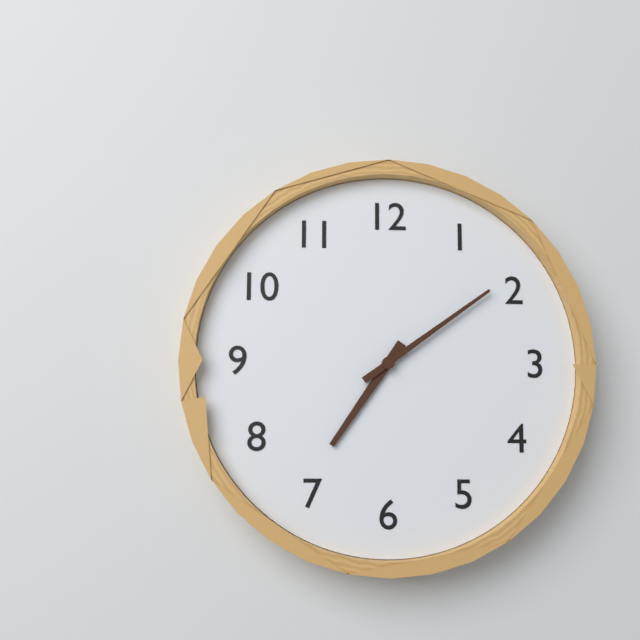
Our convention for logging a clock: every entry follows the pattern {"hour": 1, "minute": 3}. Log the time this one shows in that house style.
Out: {"hour": 7, "minute": 9}
